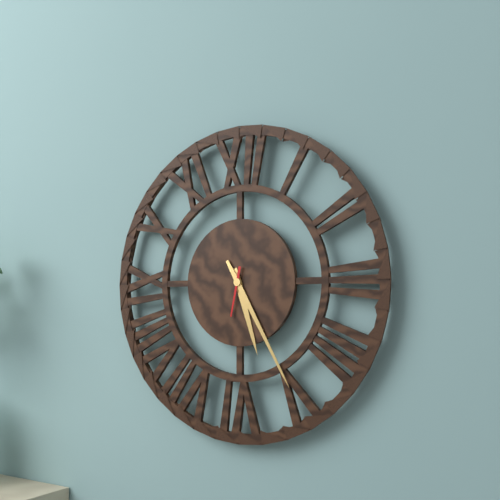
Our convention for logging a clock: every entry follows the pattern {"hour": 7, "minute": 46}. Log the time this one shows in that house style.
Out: {"hour": 5, "minute": 25}
